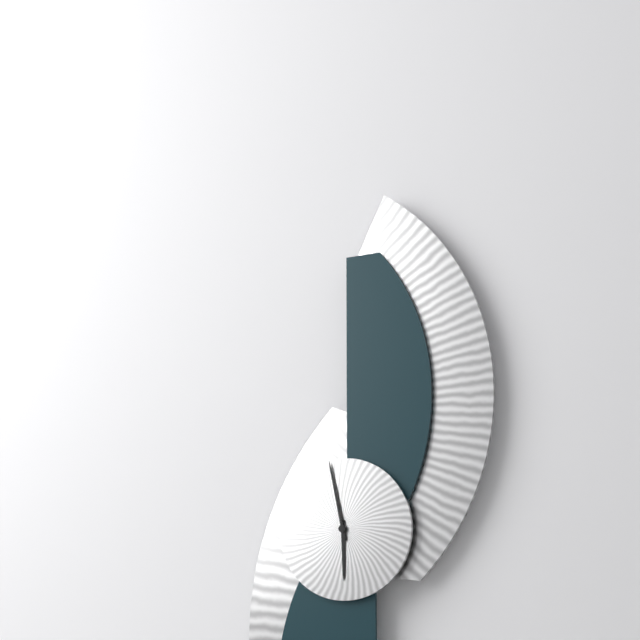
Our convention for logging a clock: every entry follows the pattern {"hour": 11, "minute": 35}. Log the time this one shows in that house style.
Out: {"hour": 5, "minute": 58}
